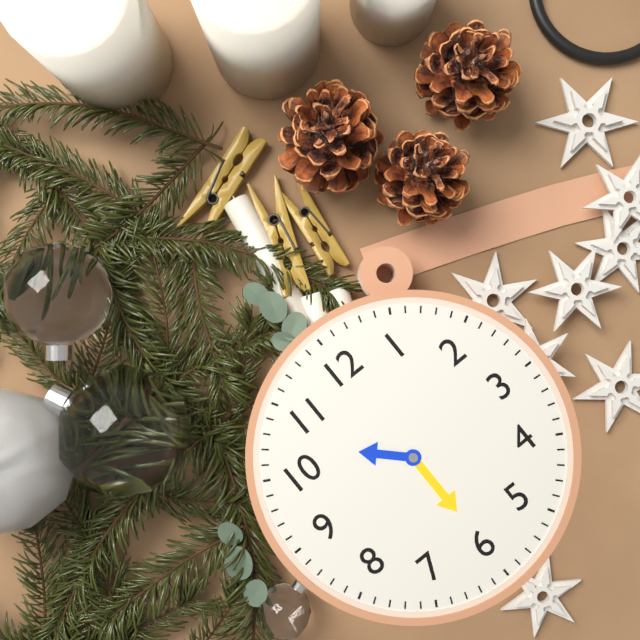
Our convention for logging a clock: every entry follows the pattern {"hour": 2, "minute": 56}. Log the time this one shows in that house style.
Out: {"hour": 10, "minute": 30}
